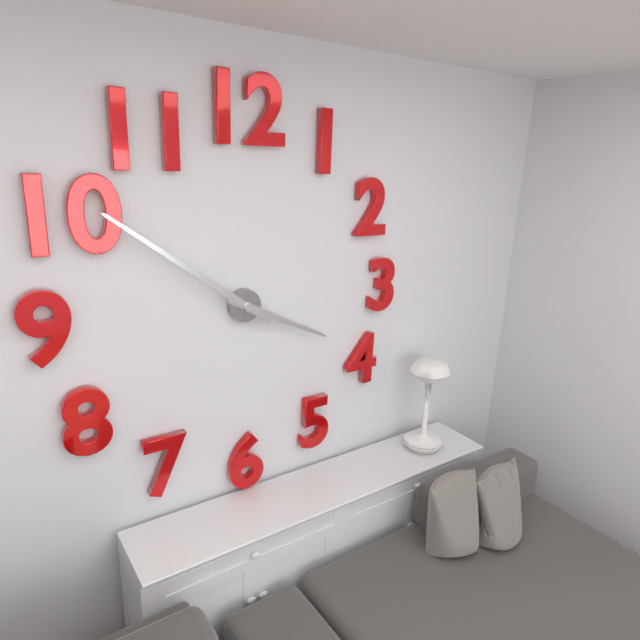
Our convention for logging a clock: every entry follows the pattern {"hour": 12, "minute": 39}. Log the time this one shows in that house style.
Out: {"hour": 3, "minute": 51}
